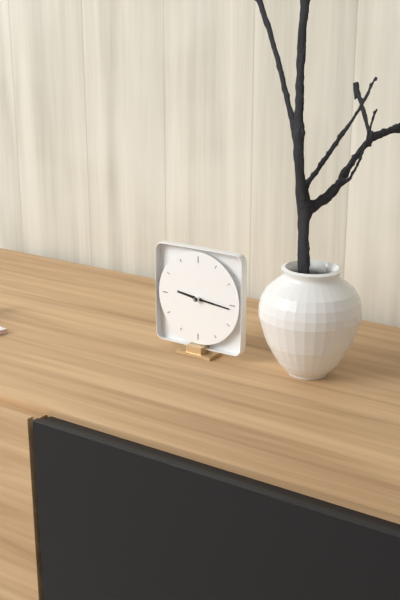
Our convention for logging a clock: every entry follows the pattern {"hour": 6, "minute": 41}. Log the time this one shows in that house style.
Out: {"hour": 9, "minute": 16}
